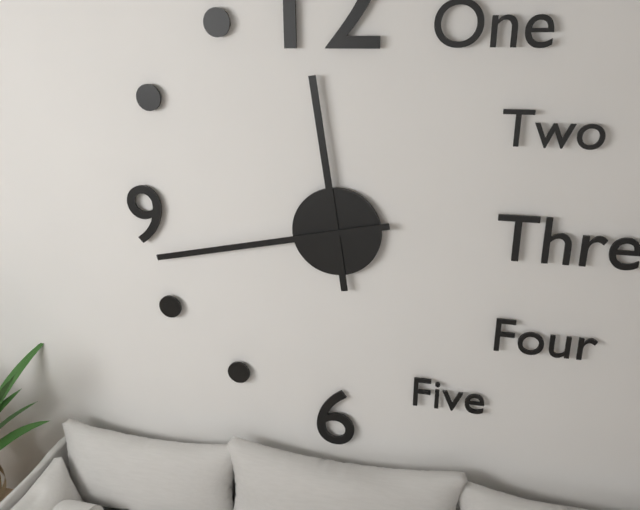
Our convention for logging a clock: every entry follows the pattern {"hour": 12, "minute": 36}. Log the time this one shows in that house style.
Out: {"hour": 11, "minute": 43}
